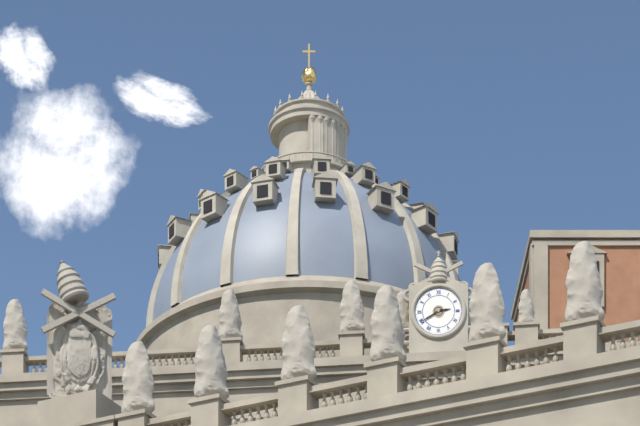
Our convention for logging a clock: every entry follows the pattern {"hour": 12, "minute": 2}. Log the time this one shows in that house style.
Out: {"hour": 2, "minute": 40}
